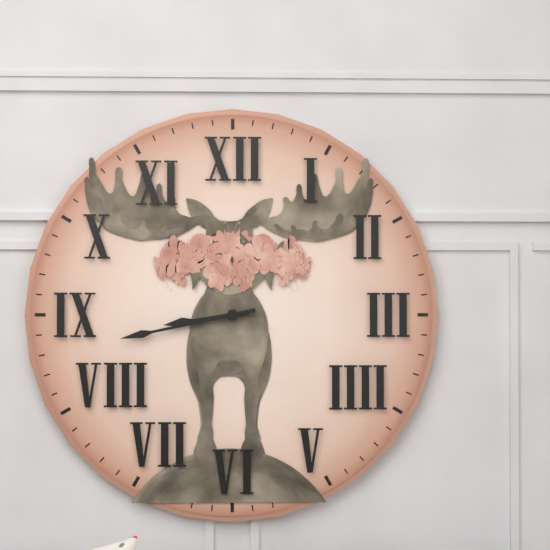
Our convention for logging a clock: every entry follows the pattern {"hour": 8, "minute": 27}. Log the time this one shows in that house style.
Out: {"hour": 8, "minute": 43}
